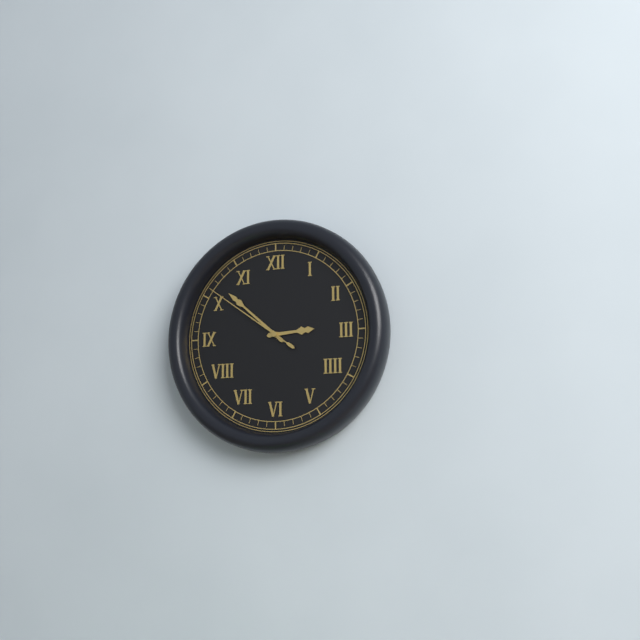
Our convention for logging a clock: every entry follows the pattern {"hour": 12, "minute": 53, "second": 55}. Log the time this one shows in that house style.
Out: {"hour": 2, "minute": 52, "second": 51}
